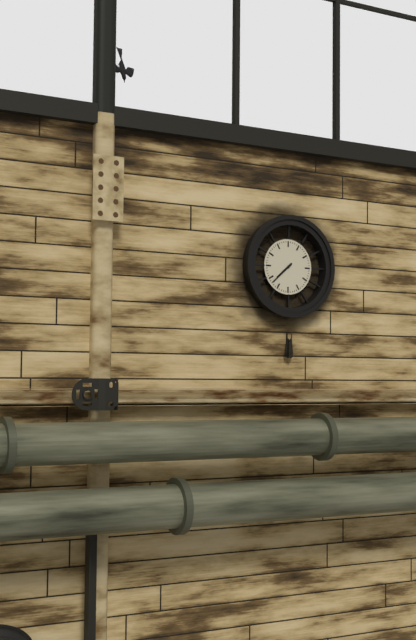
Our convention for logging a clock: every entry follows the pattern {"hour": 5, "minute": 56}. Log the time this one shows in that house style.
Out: {"hour": 7, "minute": 38}
